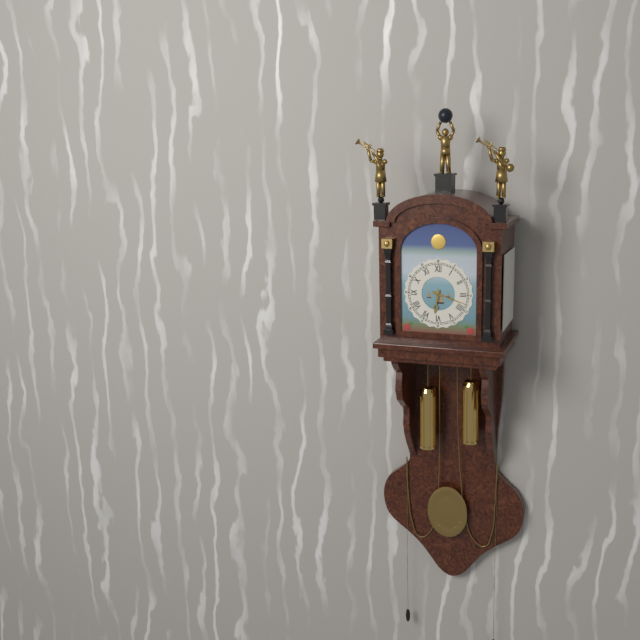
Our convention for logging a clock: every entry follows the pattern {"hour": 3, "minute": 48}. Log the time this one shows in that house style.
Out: {"hour": 6, "minute": 18}
